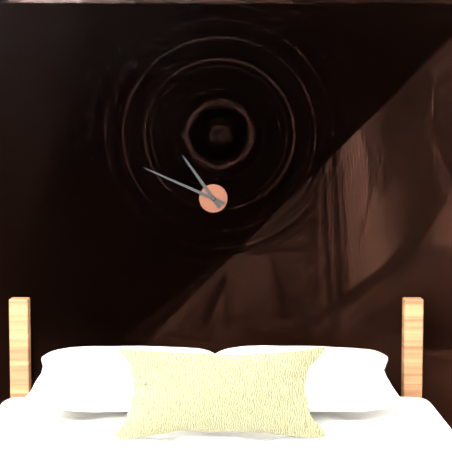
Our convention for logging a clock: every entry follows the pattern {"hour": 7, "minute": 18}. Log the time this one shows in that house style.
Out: {"hour": 10, "minute": 49}
